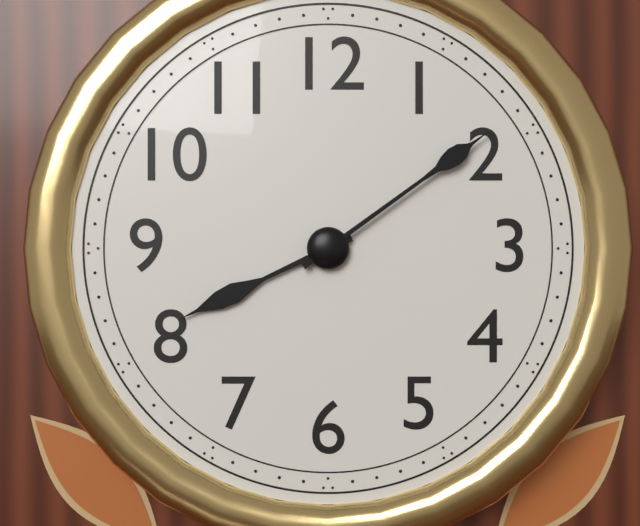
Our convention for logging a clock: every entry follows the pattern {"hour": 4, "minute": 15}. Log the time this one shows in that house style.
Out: {"hour": 8, "minute": 9}
